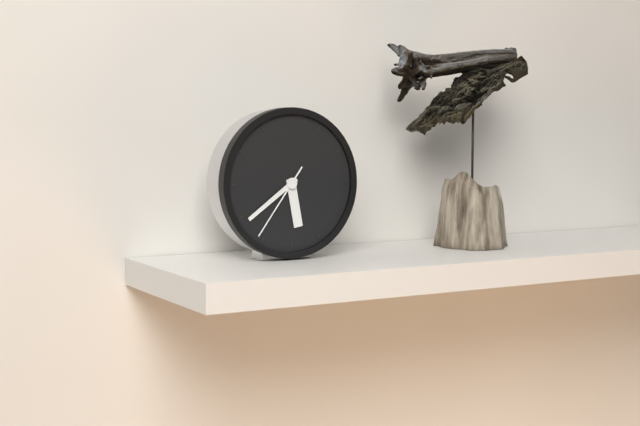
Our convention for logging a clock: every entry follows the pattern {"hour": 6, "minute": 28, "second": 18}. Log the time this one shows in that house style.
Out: {"hour": 5, "minute": 39, "second": 36}
